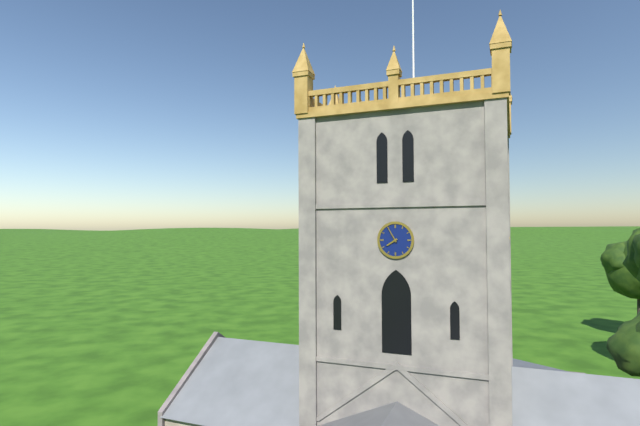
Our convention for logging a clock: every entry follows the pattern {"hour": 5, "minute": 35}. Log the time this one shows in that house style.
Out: {"hour": 7, "minute": 55}
